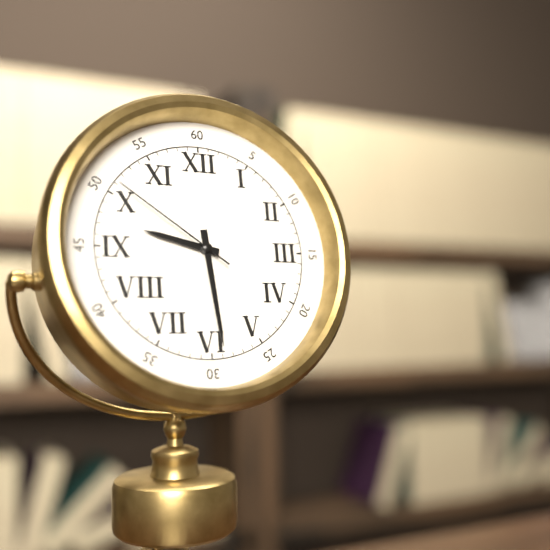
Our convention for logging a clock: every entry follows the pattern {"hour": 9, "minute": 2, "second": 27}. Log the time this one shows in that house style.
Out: {"hour": 9, "minute": 29, "second": 51}
